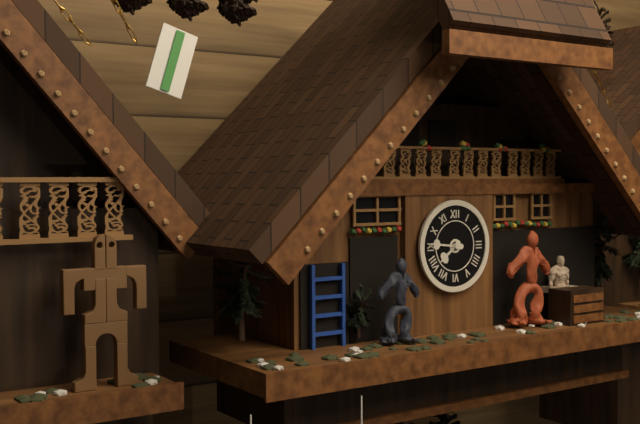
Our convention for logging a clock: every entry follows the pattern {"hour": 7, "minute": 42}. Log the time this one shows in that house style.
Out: {"hour": 7, "minute": 46}
